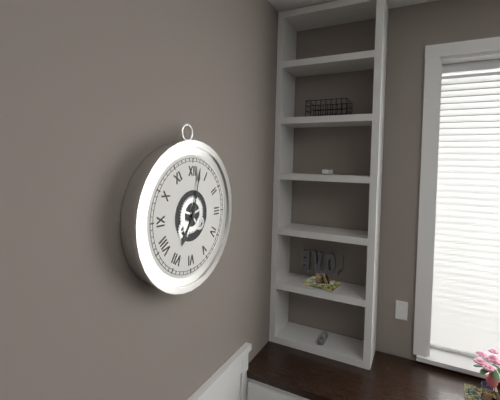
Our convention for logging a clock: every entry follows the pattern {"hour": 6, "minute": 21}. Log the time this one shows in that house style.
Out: {"hour": 7, "minute": 2}
